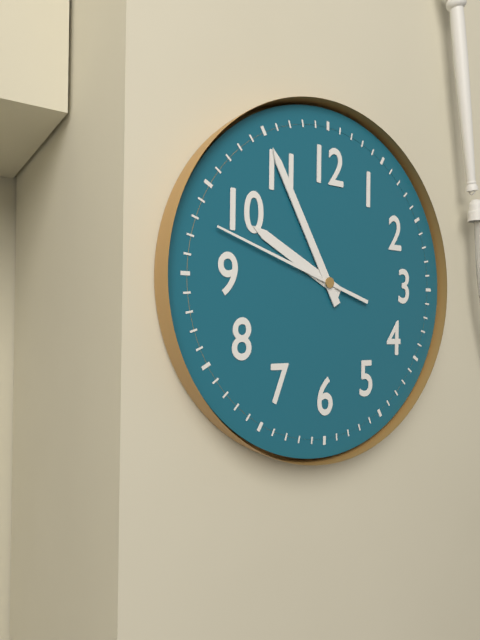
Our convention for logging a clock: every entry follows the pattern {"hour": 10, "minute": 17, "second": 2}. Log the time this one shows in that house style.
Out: {"hour": 9, "minute": 55, "second": 48}
